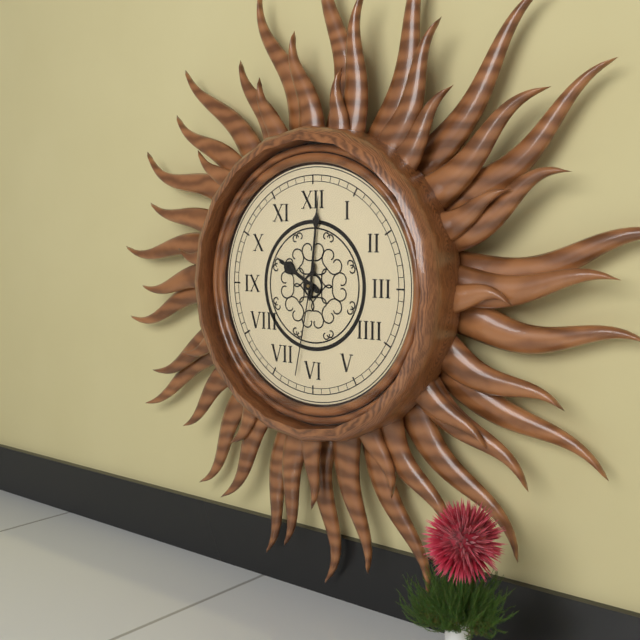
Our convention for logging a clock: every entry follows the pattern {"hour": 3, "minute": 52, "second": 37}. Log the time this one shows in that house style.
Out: {"hour": 10, "minute": 1, "second": 32}
